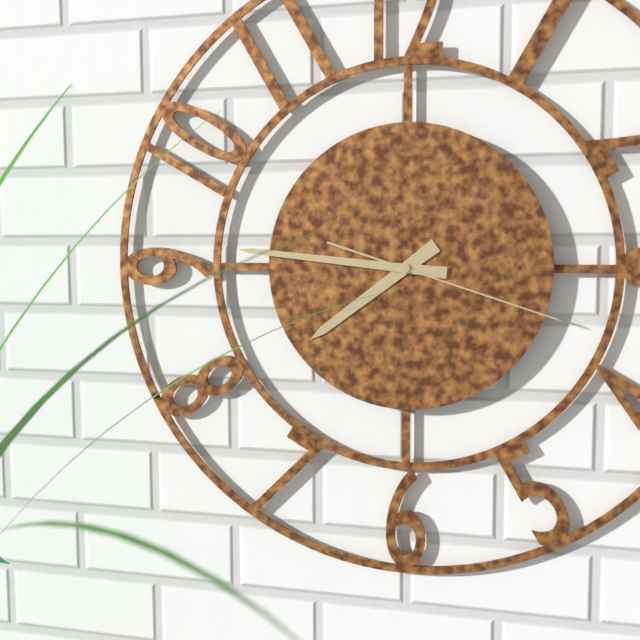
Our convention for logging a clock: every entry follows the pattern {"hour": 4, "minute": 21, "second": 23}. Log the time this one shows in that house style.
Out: {"hour": 7, "minute": 46, "second": 18}
